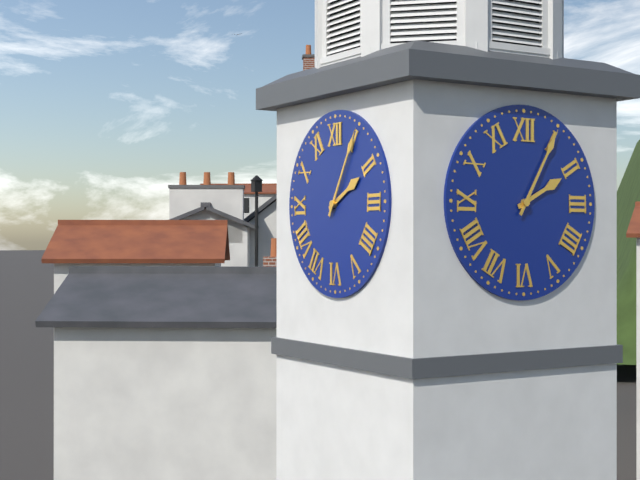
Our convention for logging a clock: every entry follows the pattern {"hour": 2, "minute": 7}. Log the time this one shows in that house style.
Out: {"hour": 2, "minute": 5}
